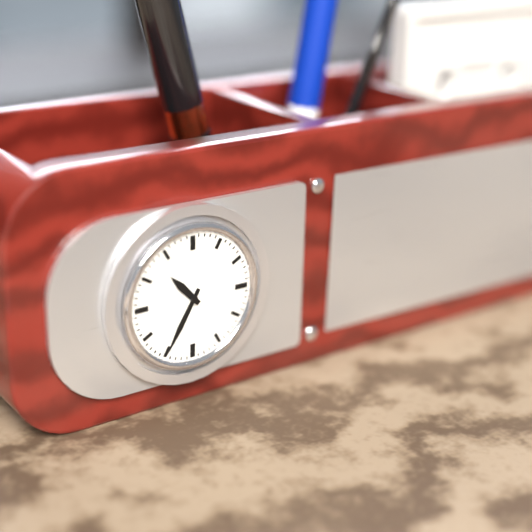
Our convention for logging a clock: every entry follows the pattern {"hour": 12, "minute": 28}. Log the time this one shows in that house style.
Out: {"hour": 10, "minute": 35}
